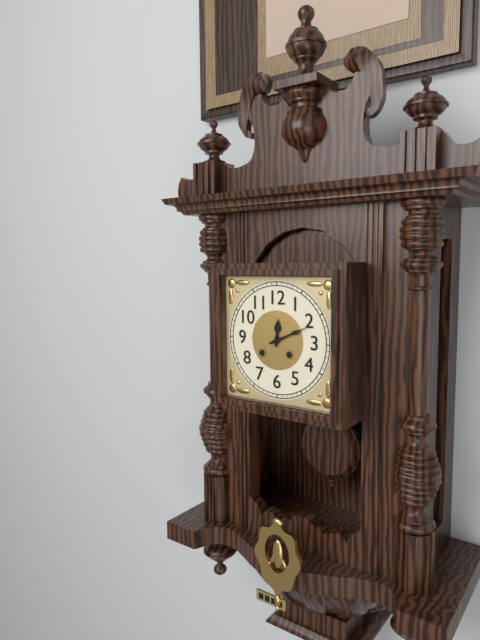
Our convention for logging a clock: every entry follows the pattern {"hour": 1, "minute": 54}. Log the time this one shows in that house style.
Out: {"hour": 12, "minute": 11}
